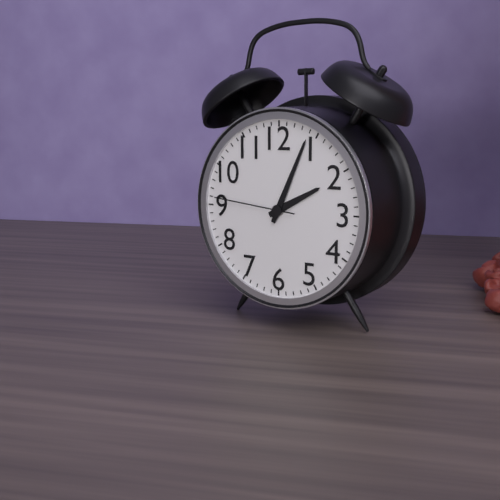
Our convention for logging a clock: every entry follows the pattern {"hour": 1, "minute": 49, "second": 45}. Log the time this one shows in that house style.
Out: {"hour": 2, "minute": 4, "second": 46}
